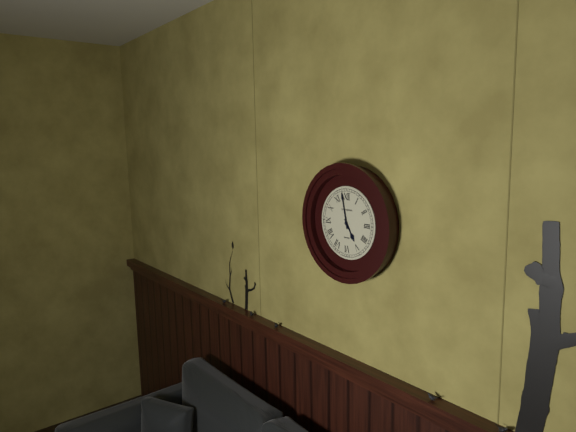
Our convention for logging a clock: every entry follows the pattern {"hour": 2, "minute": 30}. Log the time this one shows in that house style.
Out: {"hour": 4, "minute": 58}
